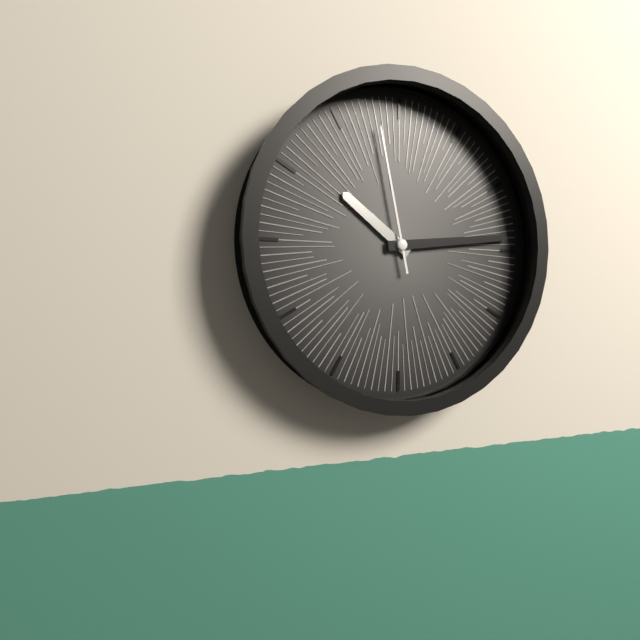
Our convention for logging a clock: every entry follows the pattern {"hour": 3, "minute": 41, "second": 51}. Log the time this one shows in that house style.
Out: {"hour": 10, "minute": 14, "second": 58}
